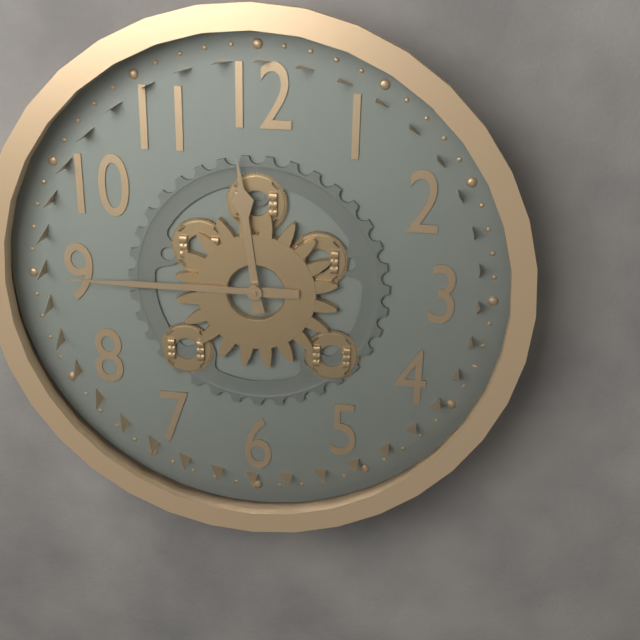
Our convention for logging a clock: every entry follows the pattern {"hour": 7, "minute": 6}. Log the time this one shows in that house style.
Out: {"hour": 11, "minute": 45}
